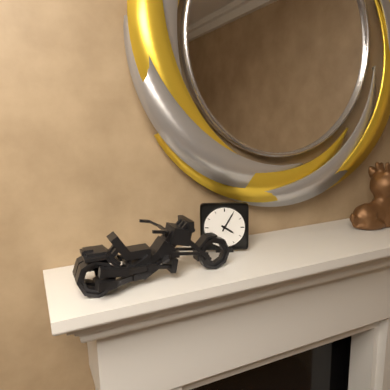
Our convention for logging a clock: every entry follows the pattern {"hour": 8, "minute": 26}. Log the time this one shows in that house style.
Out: {"hour": 4, "minute": 5}
